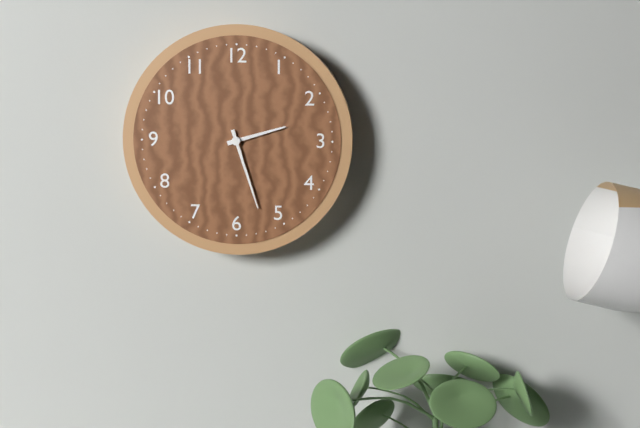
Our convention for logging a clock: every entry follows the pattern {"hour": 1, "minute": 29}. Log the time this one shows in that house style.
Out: {"hour": 2, "minute": 27}
